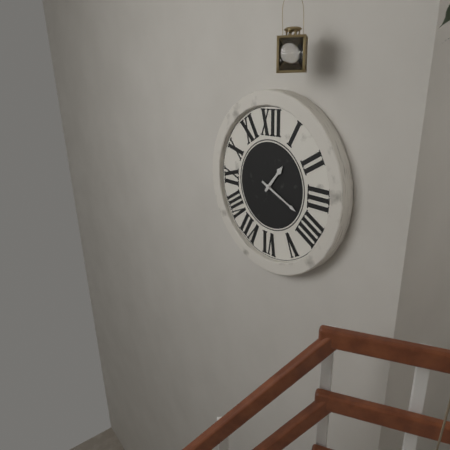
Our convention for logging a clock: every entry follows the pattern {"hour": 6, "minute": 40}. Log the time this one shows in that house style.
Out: {"hour": 1, "minute": 19}
